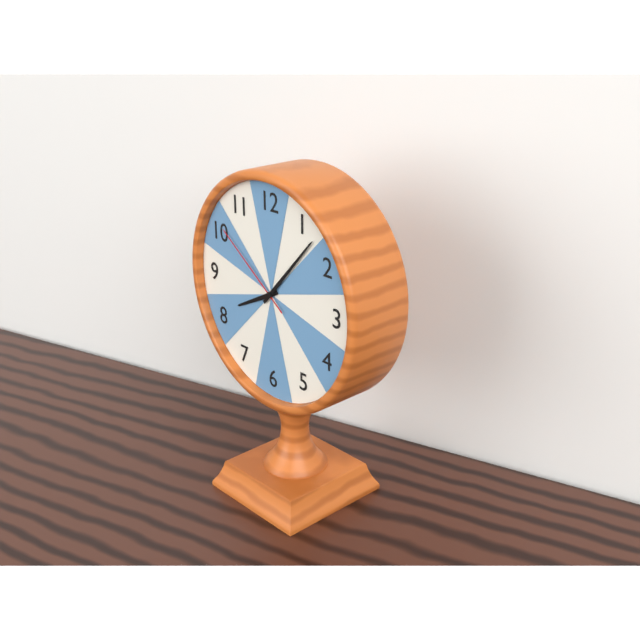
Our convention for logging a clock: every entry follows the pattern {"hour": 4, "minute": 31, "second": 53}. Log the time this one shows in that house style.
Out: {"hour": 8, "minute": 7, "second": 51}
